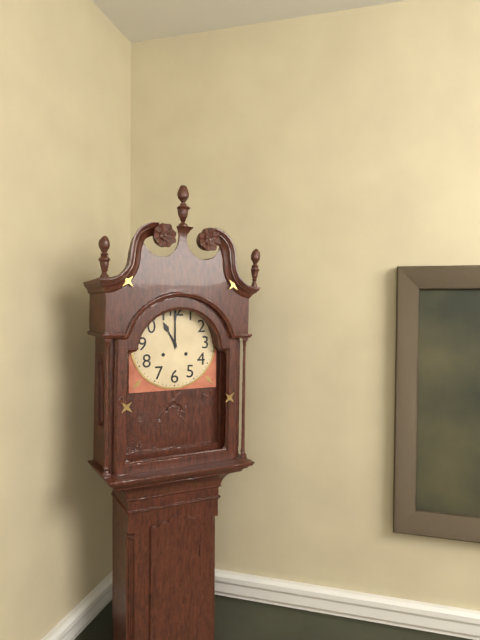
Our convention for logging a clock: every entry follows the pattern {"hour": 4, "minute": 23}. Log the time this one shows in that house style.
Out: {"hour": 11, "minute": 0}
